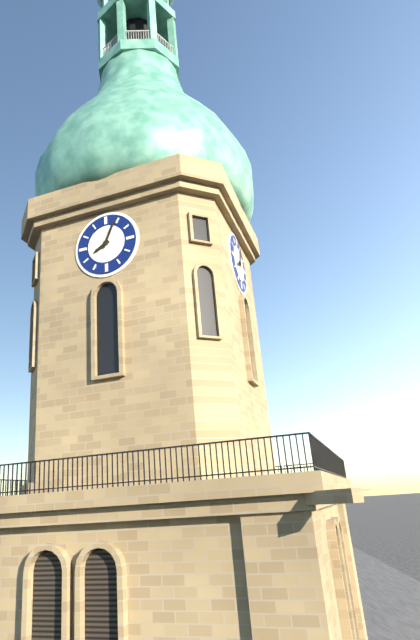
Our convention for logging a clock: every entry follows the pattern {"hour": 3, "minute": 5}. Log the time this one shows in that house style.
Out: {"hour": 8, "minute": 4}
